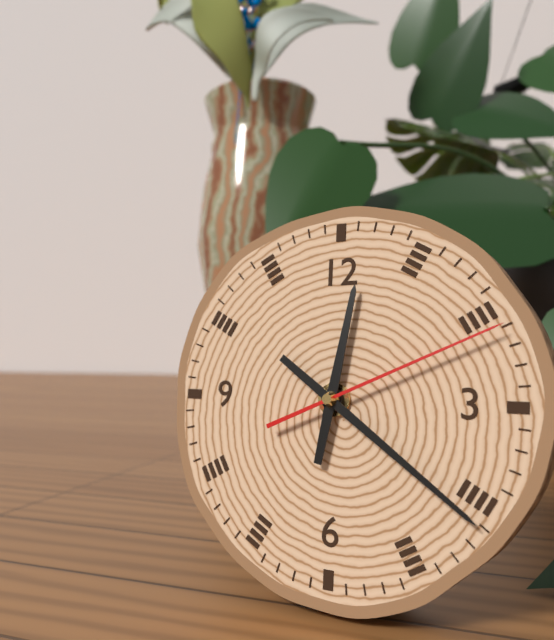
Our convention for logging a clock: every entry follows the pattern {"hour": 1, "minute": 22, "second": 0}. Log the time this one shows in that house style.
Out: {"hour": 12, "minute": 21, "second": 11}
